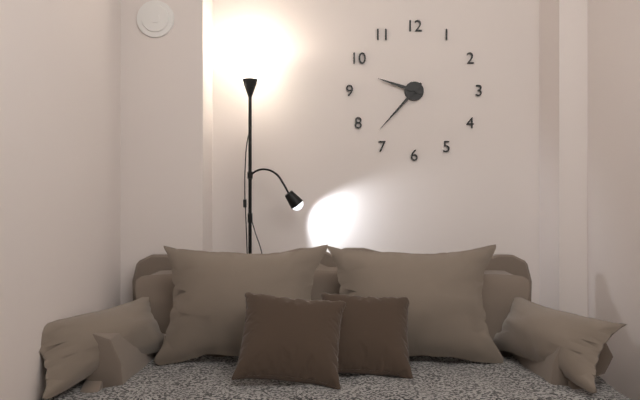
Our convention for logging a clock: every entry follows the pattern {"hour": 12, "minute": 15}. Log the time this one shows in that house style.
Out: {"hour": 9, "minute": 37}
